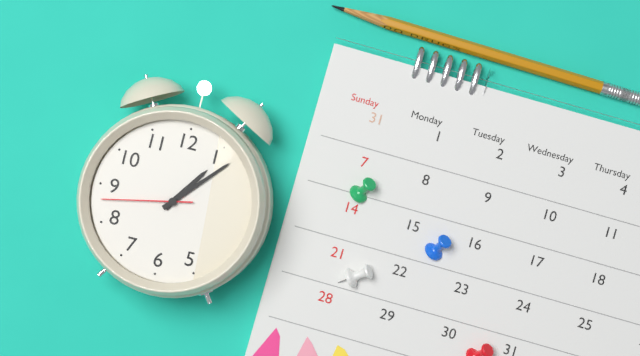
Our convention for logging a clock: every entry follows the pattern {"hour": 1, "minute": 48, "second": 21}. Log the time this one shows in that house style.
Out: {"hour": 1, "minute": 7, "second": 43}
